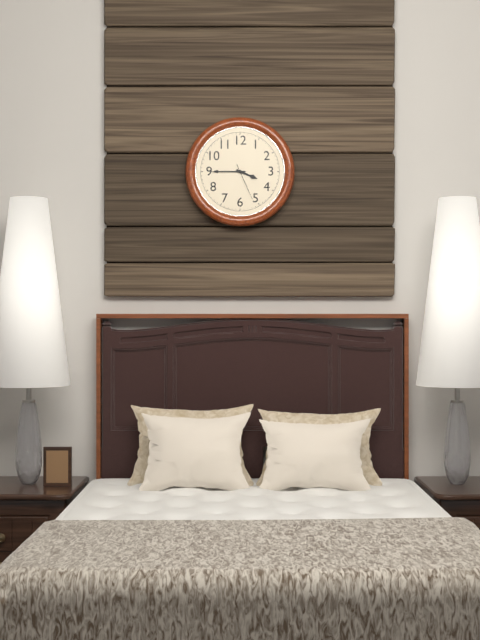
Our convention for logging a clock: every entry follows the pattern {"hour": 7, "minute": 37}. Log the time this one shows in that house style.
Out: {"hour": 3, "minute": 45}
